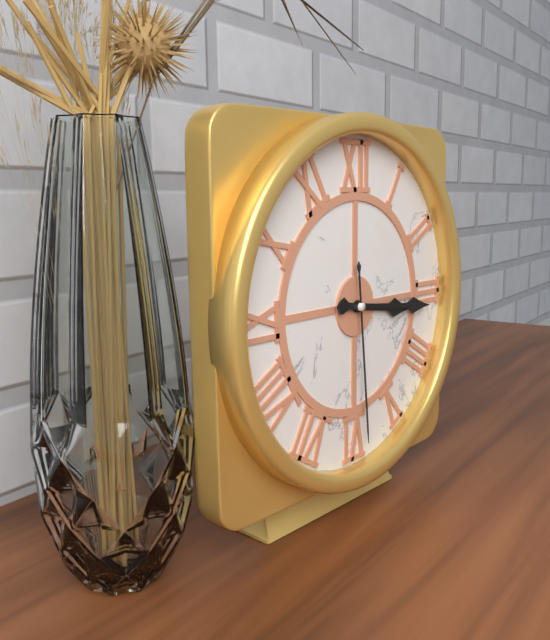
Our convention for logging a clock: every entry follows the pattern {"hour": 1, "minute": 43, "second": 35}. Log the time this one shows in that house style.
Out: {"hour": 3, "minute": 16, "second": 29}
